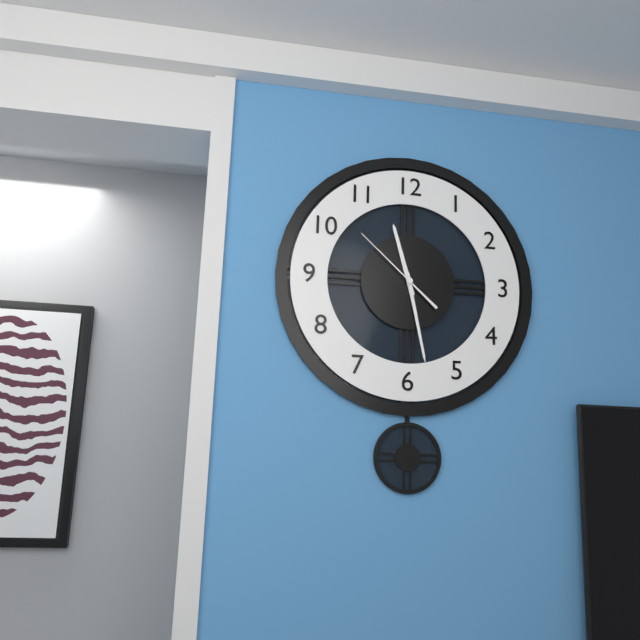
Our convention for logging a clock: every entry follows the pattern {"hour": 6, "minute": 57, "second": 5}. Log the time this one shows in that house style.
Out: {"hour": 11, "minute": 28, "second": 52}
